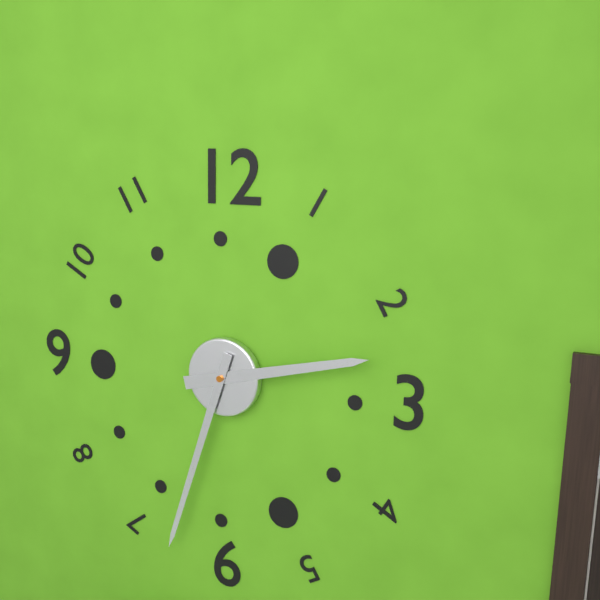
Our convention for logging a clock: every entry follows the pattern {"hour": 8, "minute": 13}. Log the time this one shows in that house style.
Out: {"hour": 2, "minute": 33}
